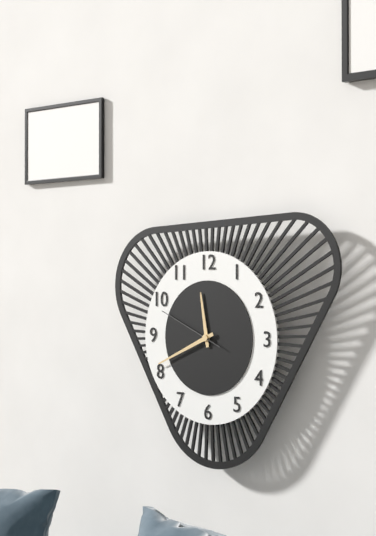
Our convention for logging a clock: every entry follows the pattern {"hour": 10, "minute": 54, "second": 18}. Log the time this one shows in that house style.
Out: {"hour": 11, "minute": 41, "second": 49}
